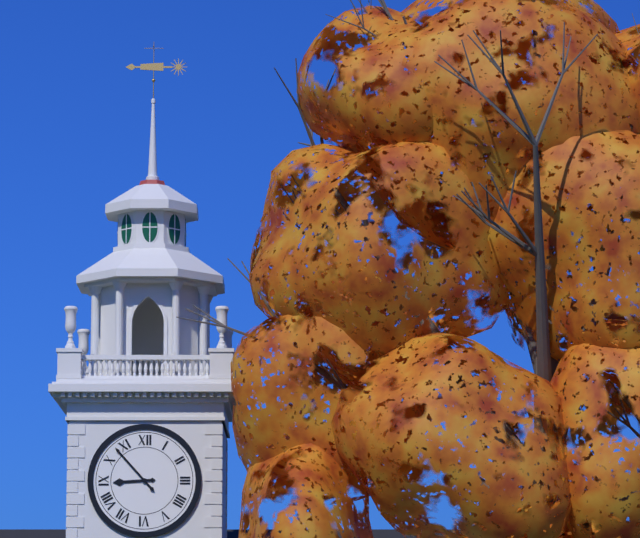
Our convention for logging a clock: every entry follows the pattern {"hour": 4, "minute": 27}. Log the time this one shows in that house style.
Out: {"hour": 8, "minute": 53}
